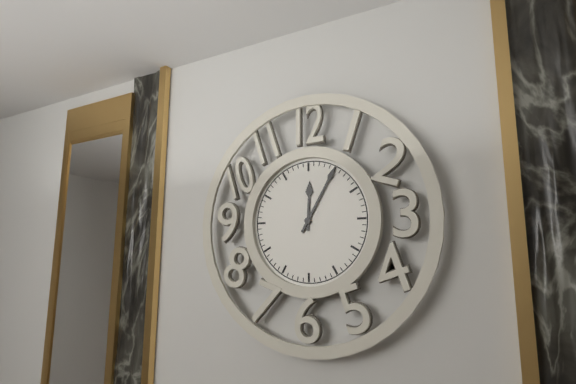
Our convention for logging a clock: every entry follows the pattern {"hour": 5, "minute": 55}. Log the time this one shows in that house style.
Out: {"hour": 12, "minute": 5}
